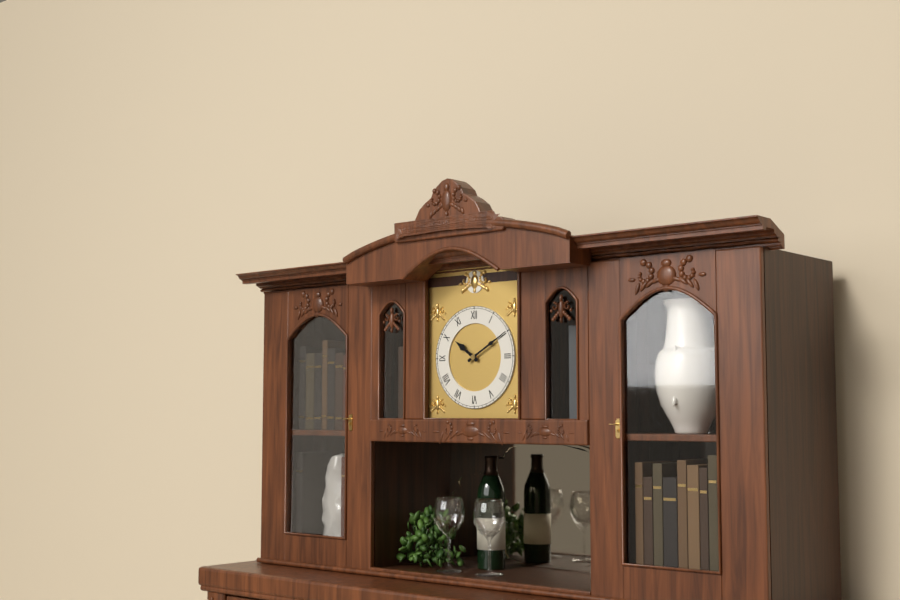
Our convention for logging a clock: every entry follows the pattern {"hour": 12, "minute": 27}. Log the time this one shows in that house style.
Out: {"hour": 10, "minute": 10}
